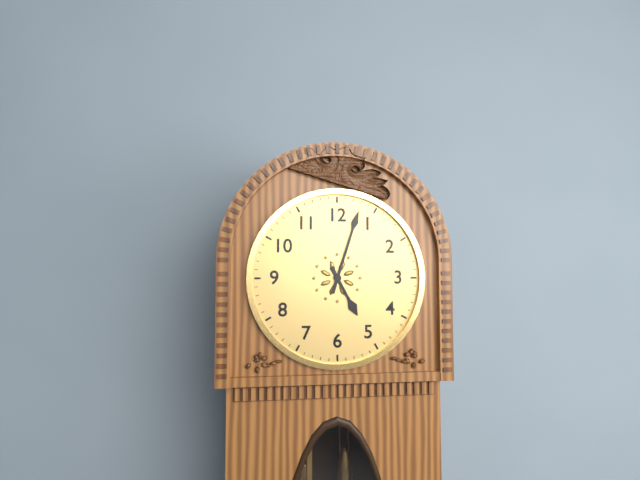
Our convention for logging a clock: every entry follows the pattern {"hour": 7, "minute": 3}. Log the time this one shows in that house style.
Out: {"hour": 5, "minute": 3}
